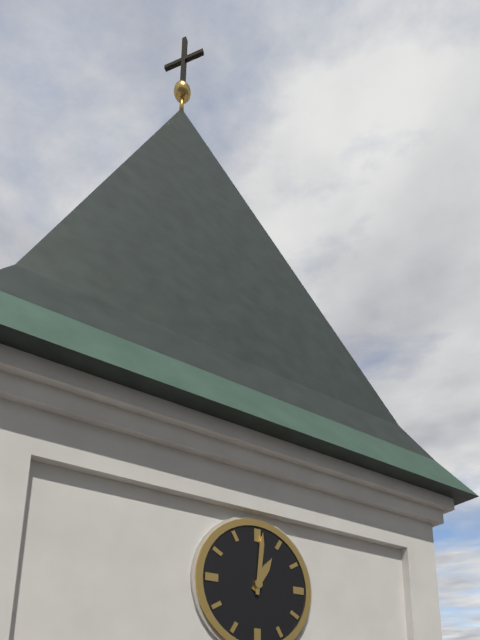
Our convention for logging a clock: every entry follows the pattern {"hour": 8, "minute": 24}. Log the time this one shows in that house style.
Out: {"hour": 1, "minute": 1}
